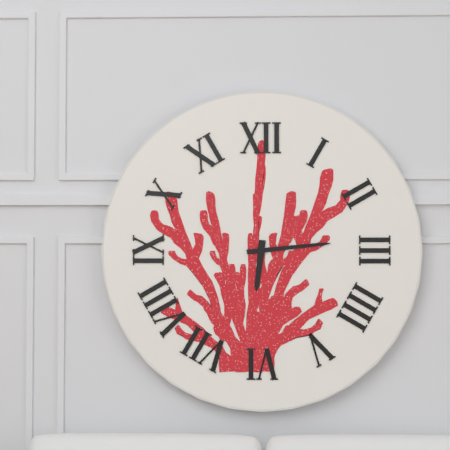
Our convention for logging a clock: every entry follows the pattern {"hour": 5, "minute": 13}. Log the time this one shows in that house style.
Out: {"hour": 6, "minute": 14}
